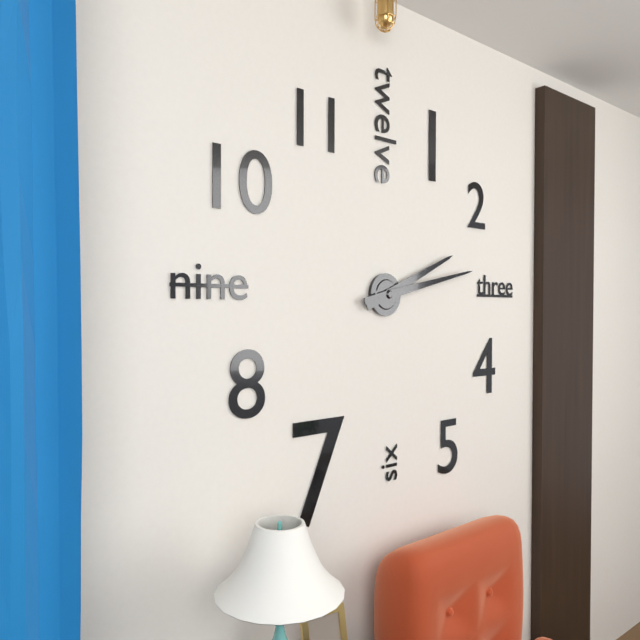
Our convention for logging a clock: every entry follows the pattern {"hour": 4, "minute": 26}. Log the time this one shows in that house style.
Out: {"hour": 2, "minute": 13}
